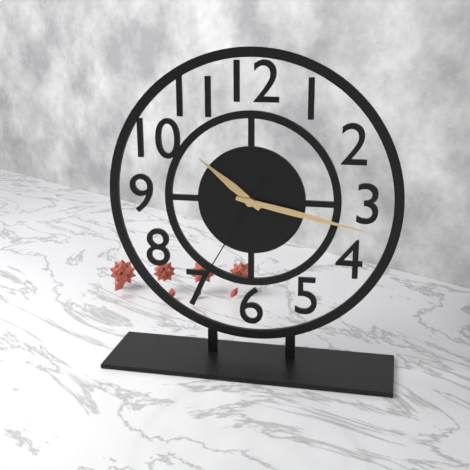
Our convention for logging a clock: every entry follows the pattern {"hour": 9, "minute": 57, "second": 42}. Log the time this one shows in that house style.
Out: {"hour": 10, "minute": 17, "second": 35}
